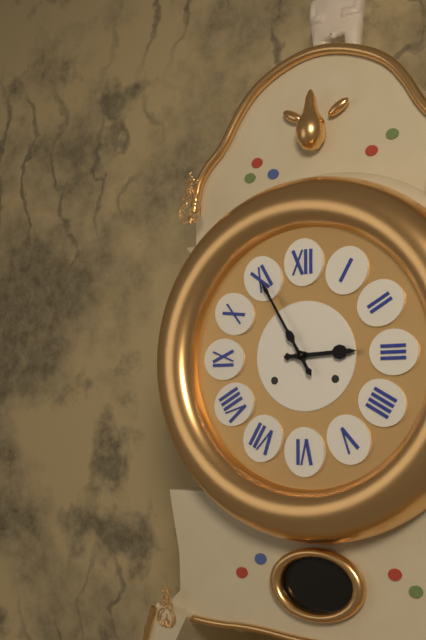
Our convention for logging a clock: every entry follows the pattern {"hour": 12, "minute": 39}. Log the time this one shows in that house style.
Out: {"hour": 2, "minute": 55}
